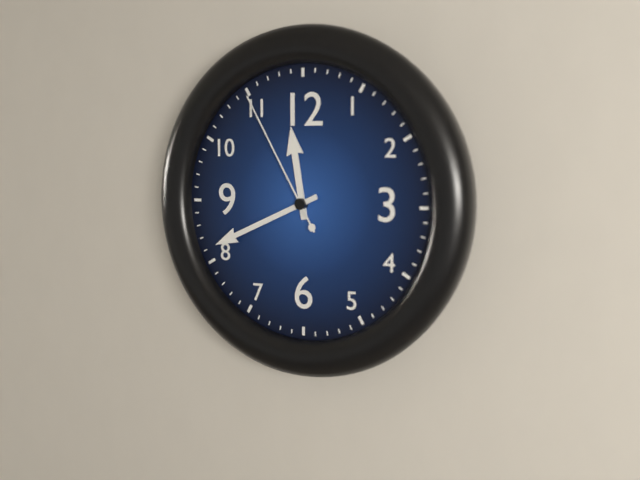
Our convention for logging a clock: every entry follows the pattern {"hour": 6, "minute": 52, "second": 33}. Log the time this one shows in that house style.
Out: {"hour": 11, "minute": 41, "second": 55}
